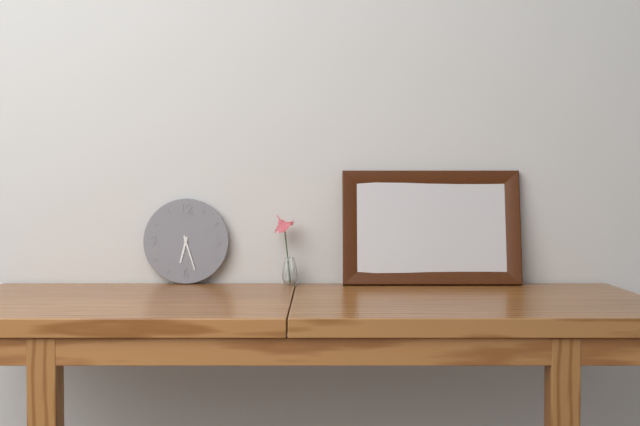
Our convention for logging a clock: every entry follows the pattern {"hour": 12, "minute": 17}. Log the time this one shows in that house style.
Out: {"hour": 6, "minute": 27}
